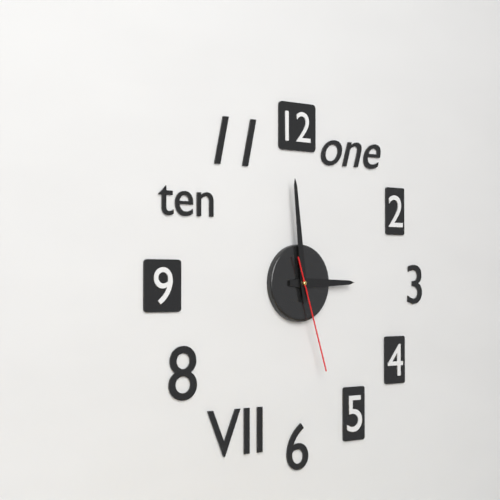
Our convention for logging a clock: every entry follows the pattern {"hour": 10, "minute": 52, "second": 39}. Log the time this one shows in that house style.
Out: {"hour": 2, "minute": 59, "second": 27}
